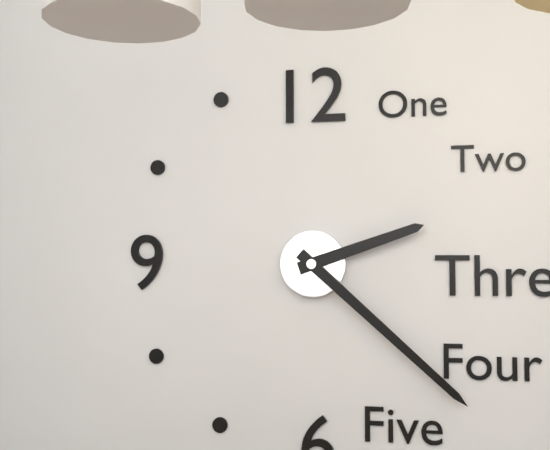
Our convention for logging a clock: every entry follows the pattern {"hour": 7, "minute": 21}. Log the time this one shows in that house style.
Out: {"hour": 2, "minute": 22}
